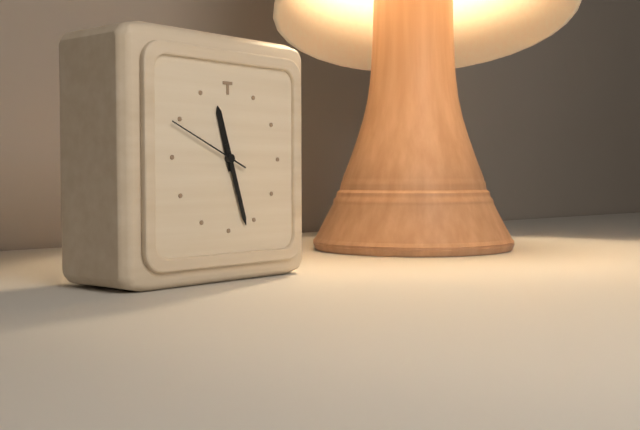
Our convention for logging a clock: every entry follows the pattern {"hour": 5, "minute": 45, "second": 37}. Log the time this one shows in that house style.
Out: {"hour": 11, "minute": 27, "second": 49}
